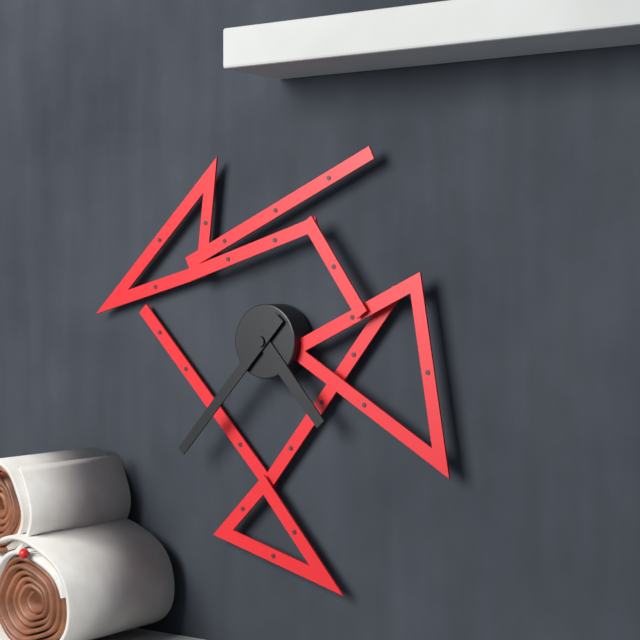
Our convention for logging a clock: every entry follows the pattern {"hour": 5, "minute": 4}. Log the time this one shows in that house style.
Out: {"hour": 4, "minute": 37}
